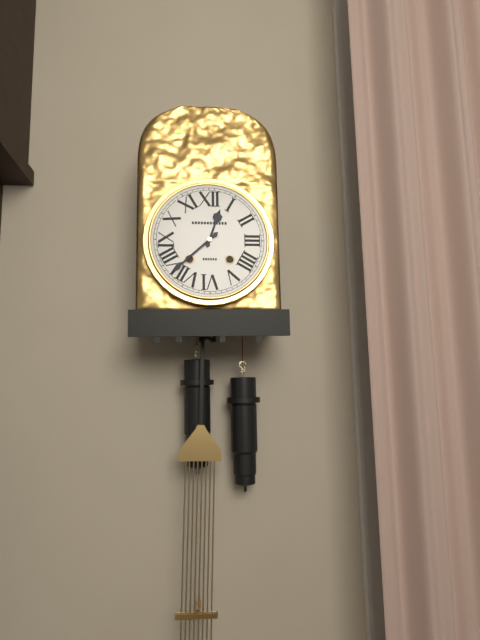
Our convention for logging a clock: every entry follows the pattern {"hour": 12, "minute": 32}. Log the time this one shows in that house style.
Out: {"hour": 12, "minute": 38}
